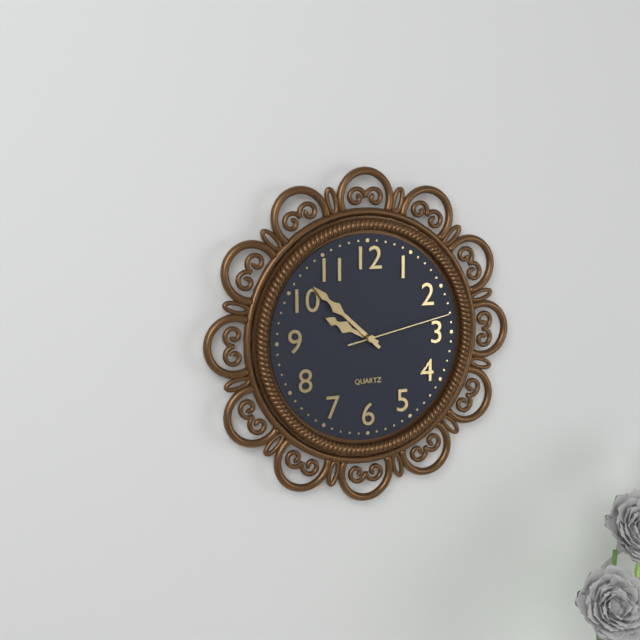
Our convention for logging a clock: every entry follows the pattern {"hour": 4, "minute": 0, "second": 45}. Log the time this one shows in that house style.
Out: {"hour": 9, "minute": 52, "second": 13}
